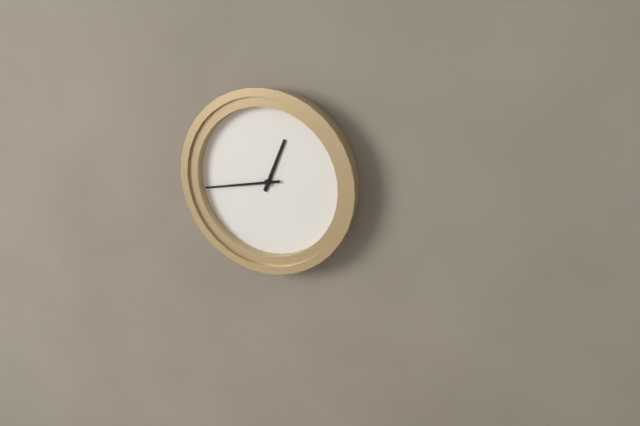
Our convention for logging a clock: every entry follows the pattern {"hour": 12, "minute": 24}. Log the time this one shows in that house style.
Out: {"hour": 12, "minute": 43}
